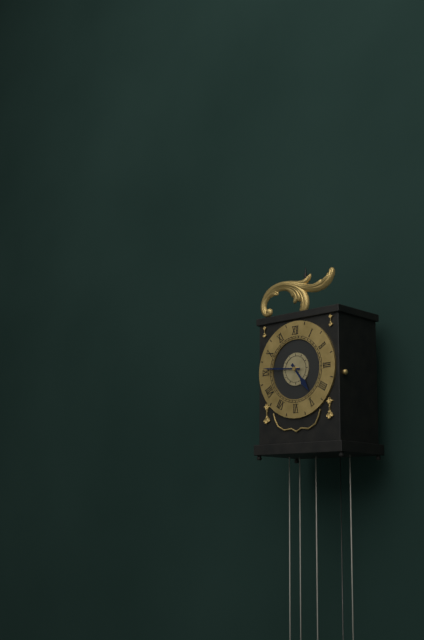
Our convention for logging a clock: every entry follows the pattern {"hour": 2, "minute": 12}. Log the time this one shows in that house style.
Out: {"hour": 4, "minute": 46}
